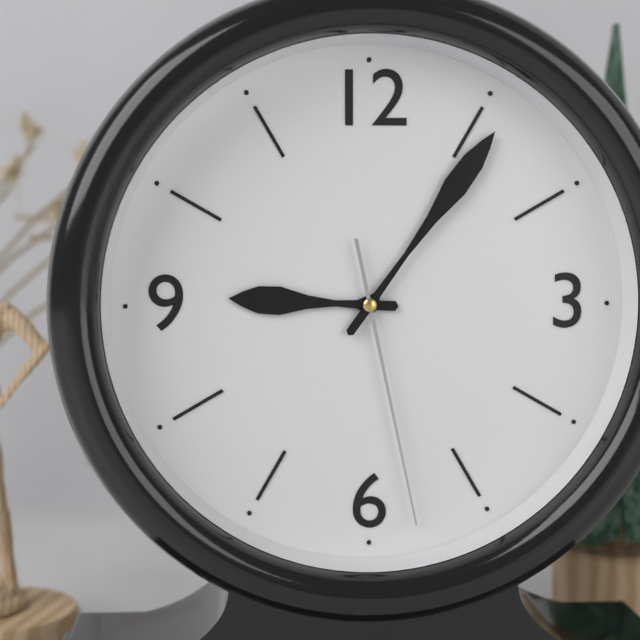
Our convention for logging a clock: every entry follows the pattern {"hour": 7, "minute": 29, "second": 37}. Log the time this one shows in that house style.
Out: {"hour": 9, "minute": 6, "second": 28}
